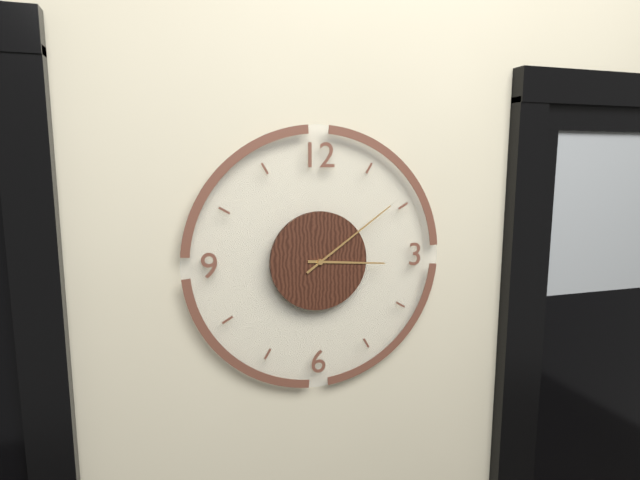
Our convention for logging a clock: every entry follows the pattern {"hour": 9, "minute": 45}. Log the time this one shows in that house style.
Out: {"hour": 3, "minute": 9}
